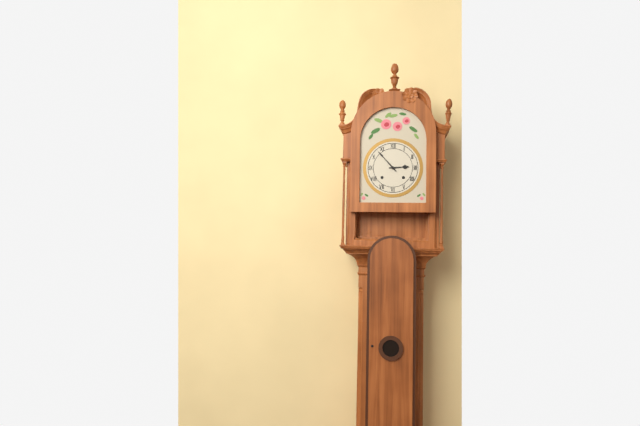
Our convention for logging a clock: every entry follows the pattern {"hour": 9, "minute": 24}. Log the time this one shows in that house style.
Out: {"hour": 2, "minute": 53}
